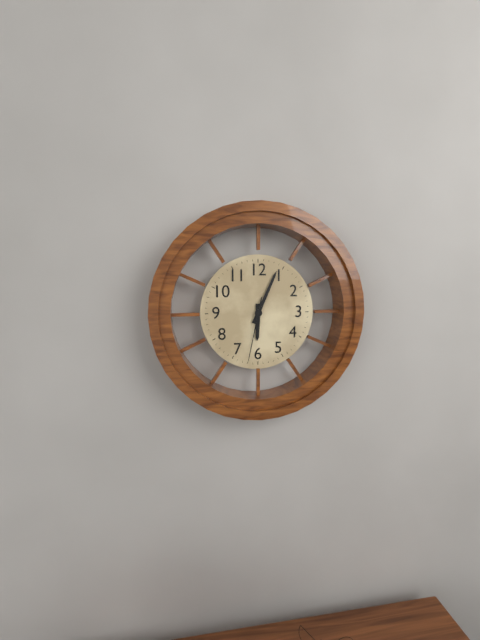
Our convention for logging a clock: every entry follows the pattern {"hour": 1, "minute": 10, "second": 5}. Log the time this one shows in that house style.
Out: {"hour": 6, "minute": 4, "second": 32}
